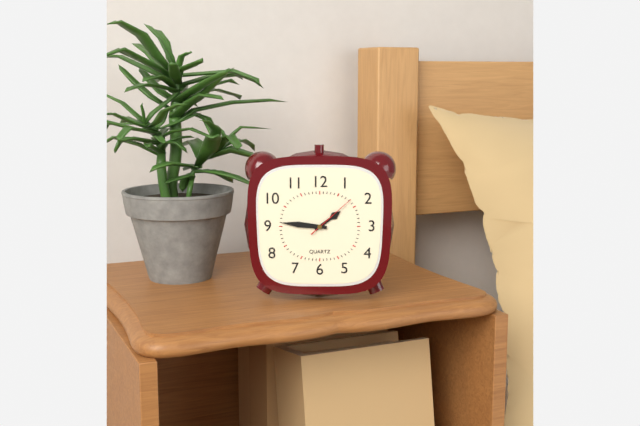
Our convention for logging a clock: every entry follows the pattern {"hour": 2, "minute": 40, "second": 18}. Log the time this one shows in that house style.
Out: {"hour": 1, "minute": 46, "second": 8}
